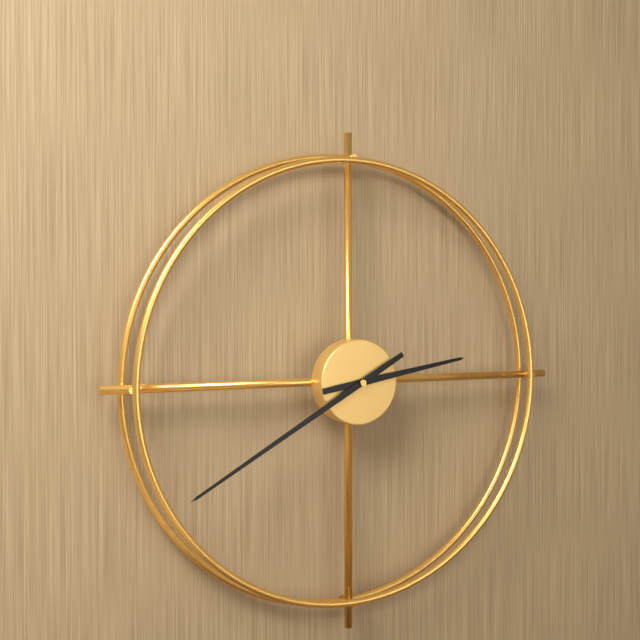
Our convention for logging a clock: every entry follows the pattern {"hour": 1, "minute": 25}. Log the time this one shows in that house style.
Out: {"hour": 2, "minute": 40}
